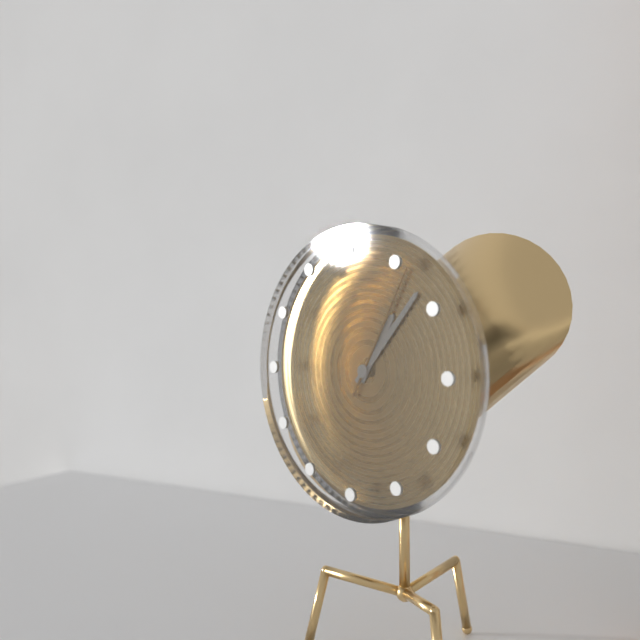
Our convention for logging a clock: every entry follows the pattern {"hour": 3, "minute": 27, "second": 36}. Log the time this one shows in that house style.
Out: {"hour": 1, "minute": 7, "second": 5}
